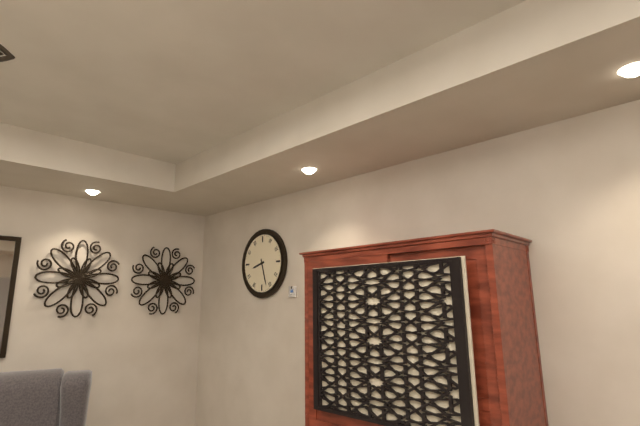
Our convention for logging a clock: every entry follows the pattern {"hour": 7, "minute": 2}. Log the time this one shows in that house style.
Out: {"hour": 8, "minute": 27}
